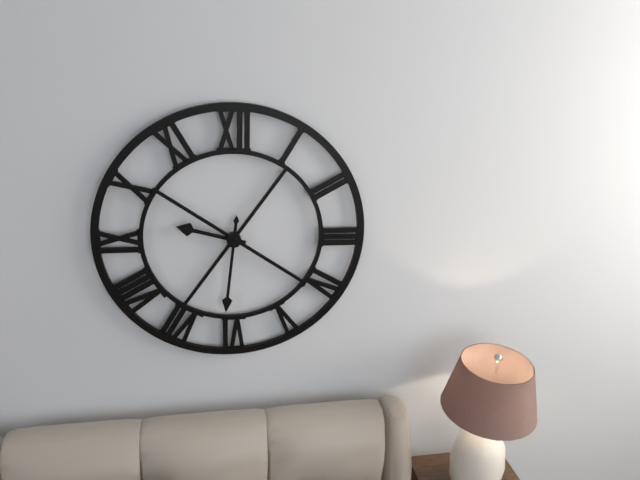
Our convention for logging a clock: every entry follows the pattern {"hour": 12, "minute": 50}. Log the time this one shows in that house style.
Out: {"hour": 9, "minute": 31}
